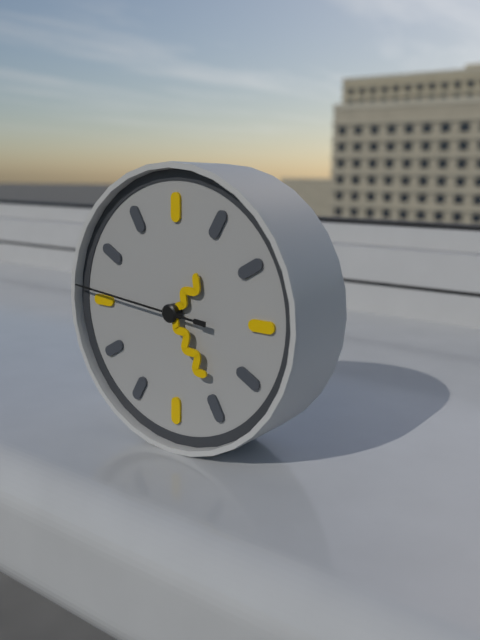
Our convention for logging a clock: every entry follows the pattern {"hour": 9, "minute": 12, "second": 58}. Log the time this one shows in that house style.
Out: {"hour": 1, "minute": 24, "second": 46}
